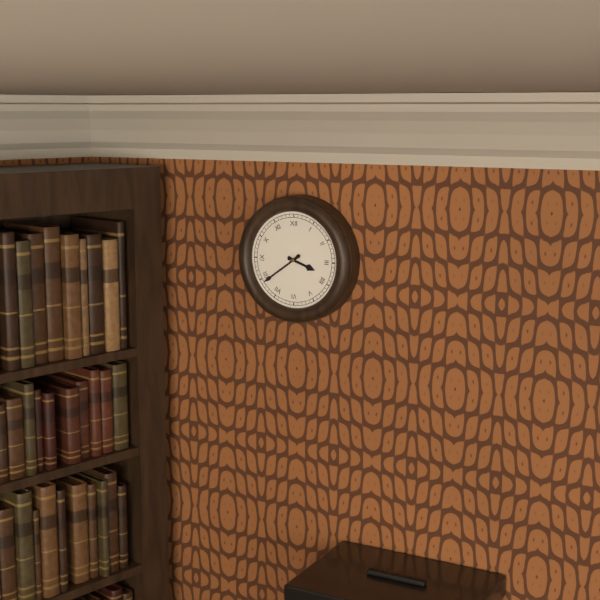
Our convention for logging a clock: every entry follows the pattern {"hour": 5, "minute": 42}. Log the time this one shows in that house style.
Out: {"hour": 3, "minute": 39}
